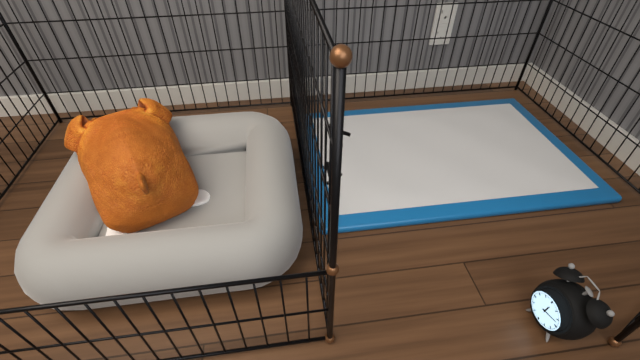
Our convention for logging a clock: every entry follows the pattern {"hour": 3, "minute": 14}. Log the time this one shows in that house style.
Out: {"hour": 12, "minute": 12}
